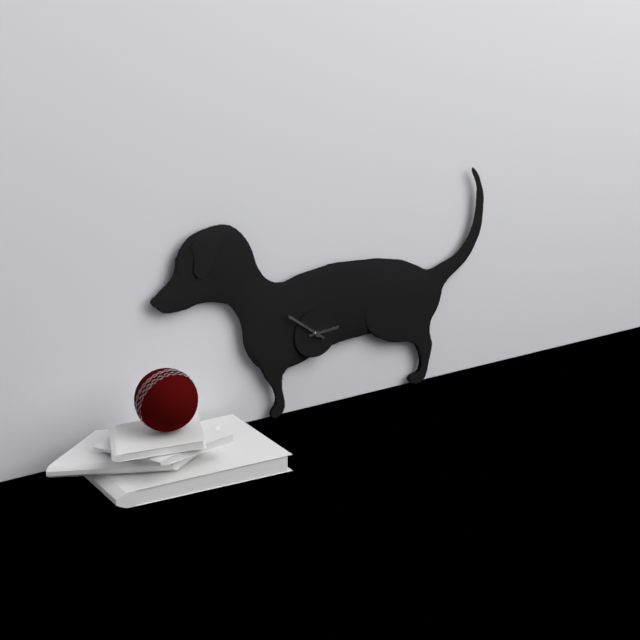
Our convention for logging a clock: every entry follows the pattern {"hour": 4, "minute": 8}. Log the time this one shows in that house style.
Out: {"hour": 2, "minute": 51}
